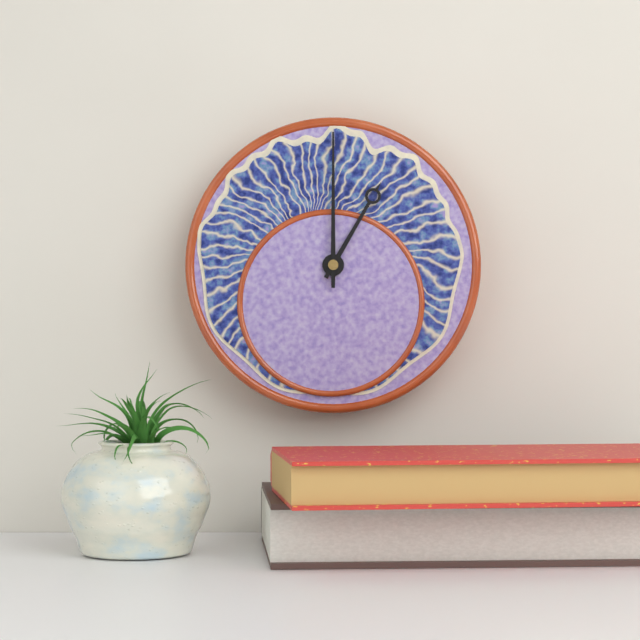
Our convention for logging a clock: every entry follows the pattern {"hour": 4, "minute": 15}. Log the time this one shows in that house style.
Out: {"hour": 1, "minute": 0}
